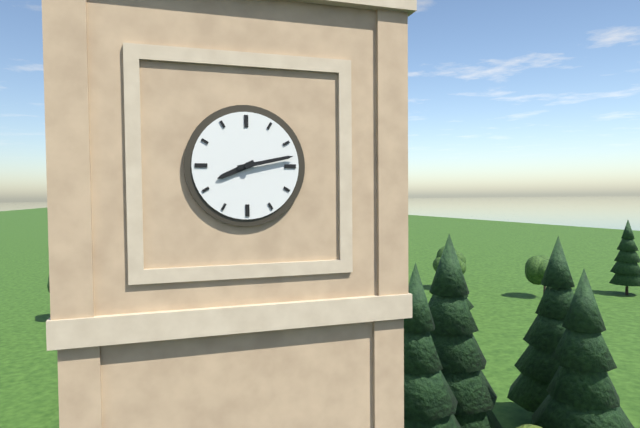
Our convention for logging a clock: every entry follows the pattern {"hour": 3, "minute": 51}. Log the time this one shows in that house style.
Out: {"hour": 8, "minute": 13}
